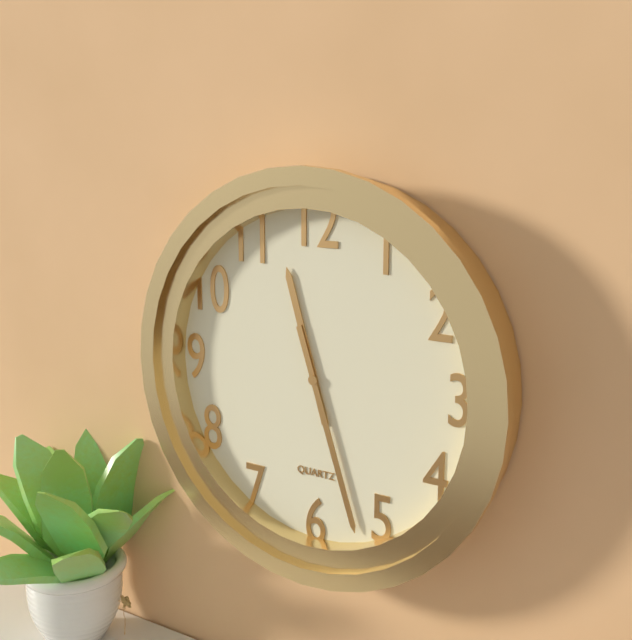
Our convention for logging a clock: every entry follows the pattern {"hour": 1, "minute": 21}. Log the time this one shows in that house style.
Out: {"hour": 11, "minute": 27}
